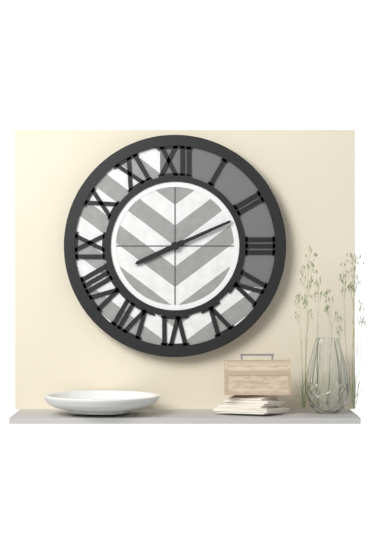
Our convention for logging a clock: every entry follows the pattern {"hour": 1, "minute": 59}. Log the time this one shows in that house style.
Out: {"hour": 8, "minute": 11}
